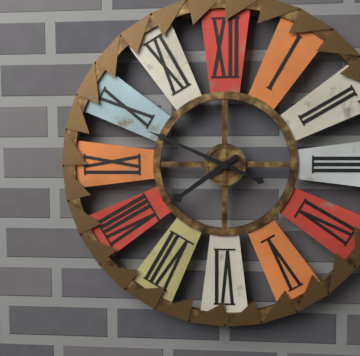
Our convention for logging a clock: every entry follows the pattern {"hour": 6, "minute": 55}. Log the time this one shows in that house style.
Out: {"hour": 7, "minute": 49}
